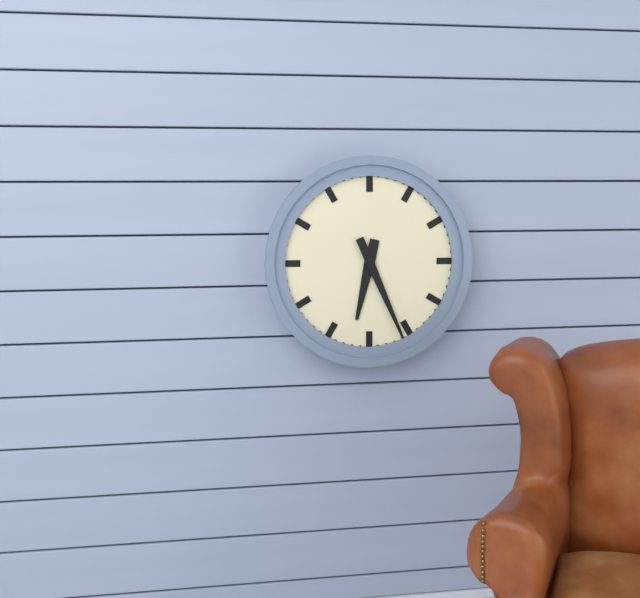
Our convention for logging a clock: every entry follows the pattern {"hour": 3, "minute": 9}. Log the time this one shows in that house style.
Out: {"hour": 6, "minute": 26}
